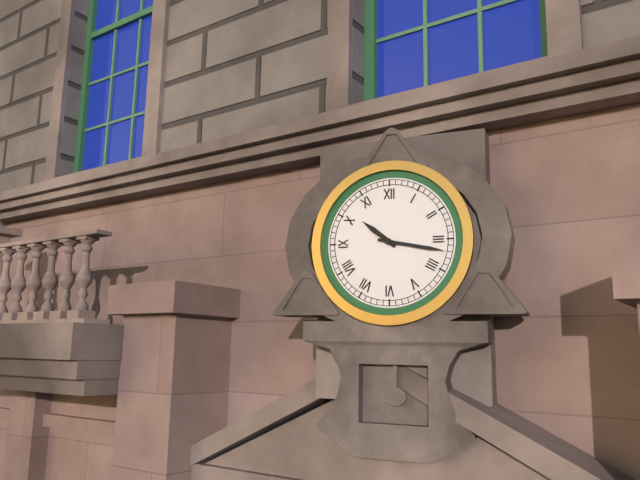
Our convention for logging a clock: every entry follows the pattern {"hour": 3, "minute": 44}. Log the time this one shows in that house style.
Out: {"hour": 10, "minute": 17}
